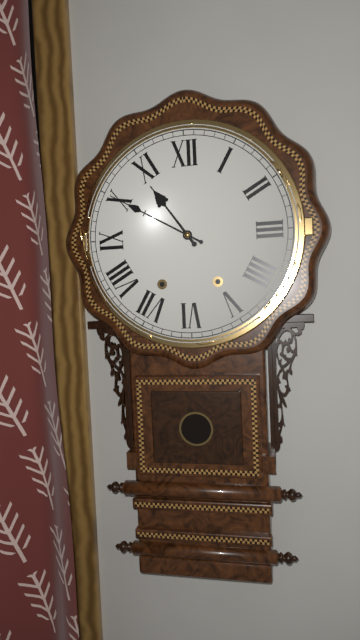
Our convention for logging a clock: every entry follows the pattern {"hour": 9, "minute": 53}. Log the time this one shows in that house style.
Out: {"hour": 10, "minute": 50}
